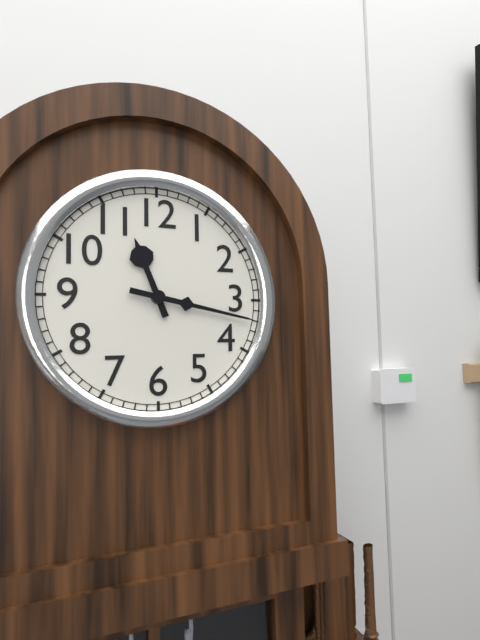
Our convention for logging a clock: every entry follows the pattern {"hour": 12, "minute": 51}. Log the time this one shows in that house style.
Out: {"hour": 11, "minute": 17}
